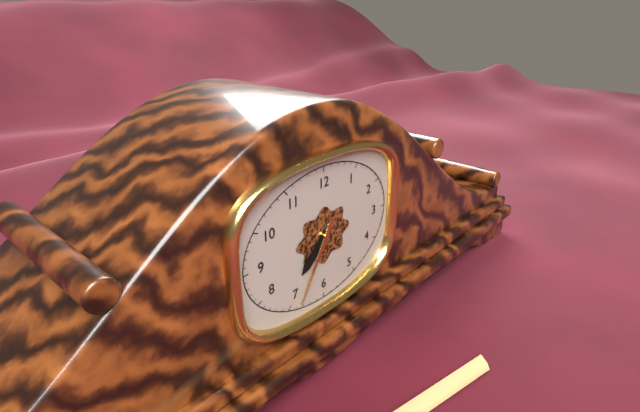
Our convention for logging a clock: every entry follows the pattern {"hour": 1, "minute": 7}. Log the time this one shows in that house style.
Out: {"hour": 7, "minute": 35}
